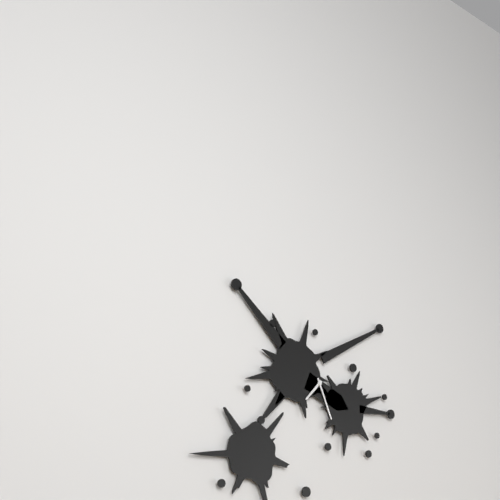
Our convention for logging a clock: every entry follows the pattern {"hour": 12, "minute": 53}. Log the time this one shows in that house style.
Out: {"hour": 7, "minute": 26}
